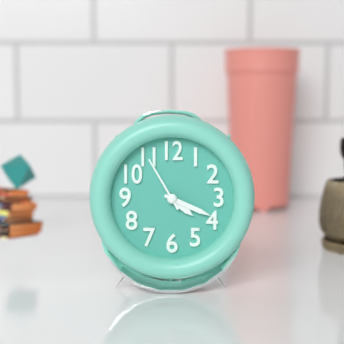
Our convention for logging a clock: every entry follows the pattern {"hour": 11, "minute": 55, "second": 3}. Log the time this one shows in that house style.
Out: {"hour": 4, "minute": 19, "second": 55}
